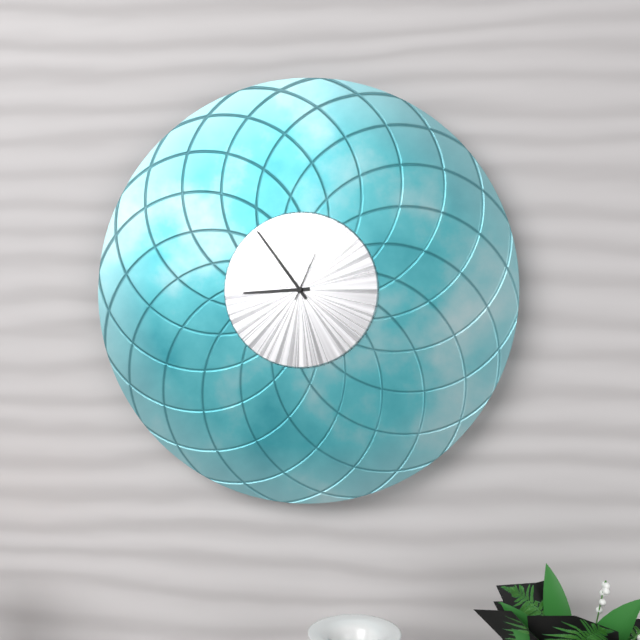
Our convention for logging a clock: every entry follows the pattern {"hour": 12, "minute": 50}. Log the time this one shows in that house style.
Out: {"hour": 8, "minute": 54}
